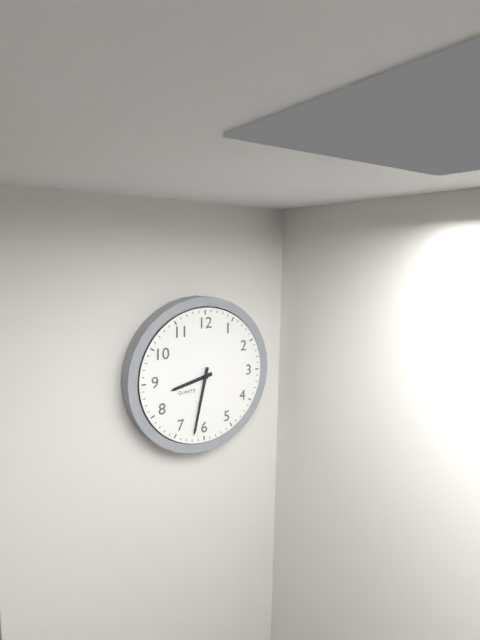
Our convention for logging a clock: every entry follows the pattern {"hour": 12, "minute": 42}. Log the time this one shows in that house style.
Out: {"hour": 8, "minute": 32}
